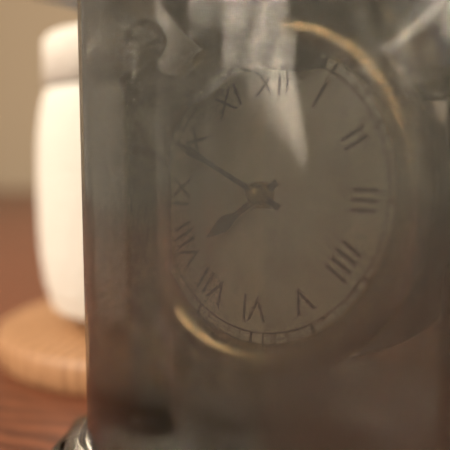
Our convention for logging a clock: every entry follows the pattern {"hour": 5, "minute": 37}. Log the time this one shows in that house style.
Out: {"hour": 7, "minute": 49}
